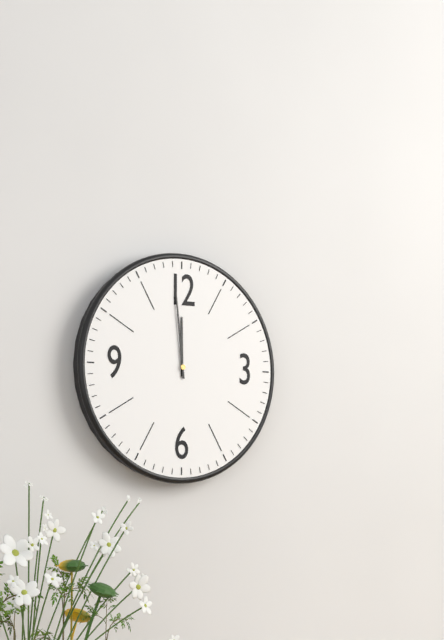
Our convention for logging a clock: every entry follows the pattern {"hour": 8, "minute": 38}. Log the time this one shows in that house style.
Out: {"hour": 11, "minute": 59}
